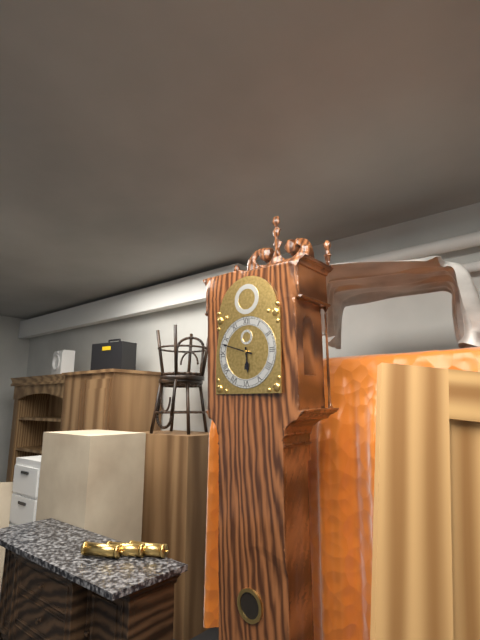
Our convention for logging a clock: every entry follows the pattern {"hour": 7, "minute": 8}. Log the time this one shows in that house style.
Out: {"hour": 5, "minute": 48}
